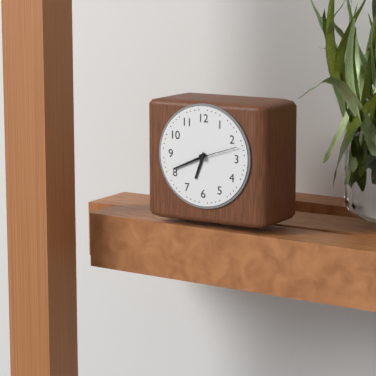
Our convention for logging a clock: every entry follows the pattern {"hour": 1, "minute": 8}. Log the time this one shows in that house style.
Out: {"hour": 6, "minute": 41}
